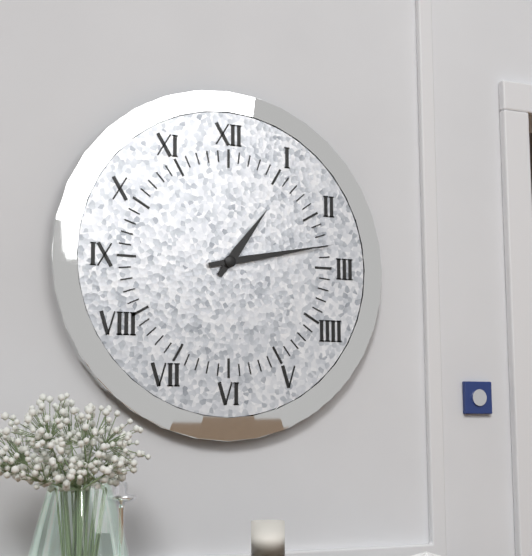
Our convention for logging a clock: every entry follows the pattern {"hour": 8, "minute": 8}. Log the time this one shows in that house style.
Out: {"hour": 1, "minute": 13}
